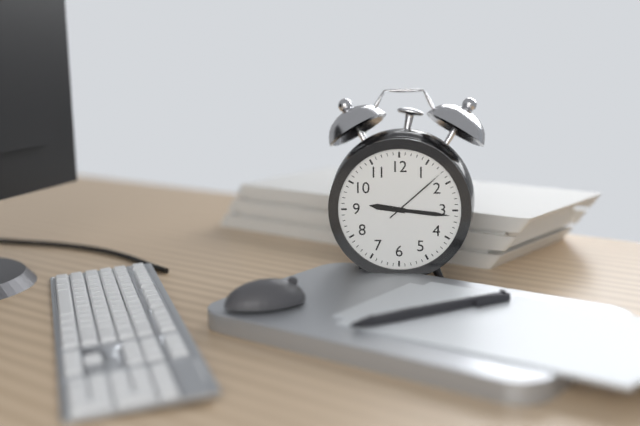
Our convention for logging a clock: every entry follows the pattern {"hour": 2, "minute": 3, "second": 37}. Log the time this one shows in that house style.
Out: {"hour": 9, "minute": 16, "second": 8}
